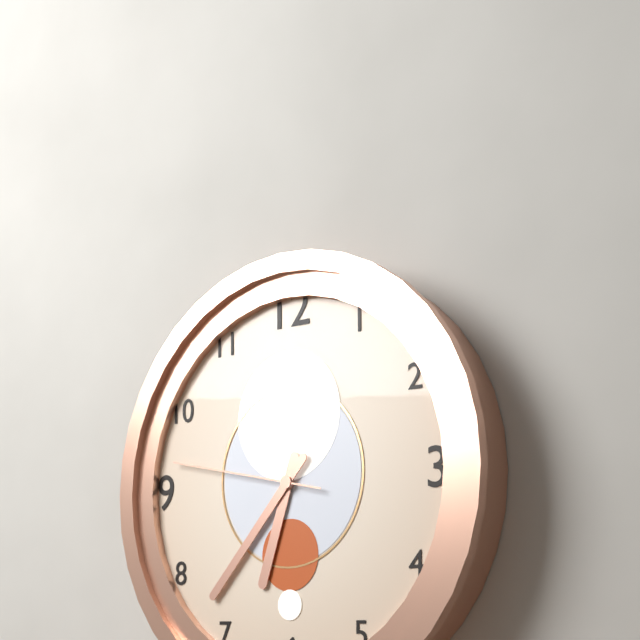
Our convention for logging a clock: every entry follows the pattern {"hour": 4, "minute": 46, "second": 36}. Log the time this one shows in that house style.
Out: {"hour": 6, "minute": 37, "second": 47}
